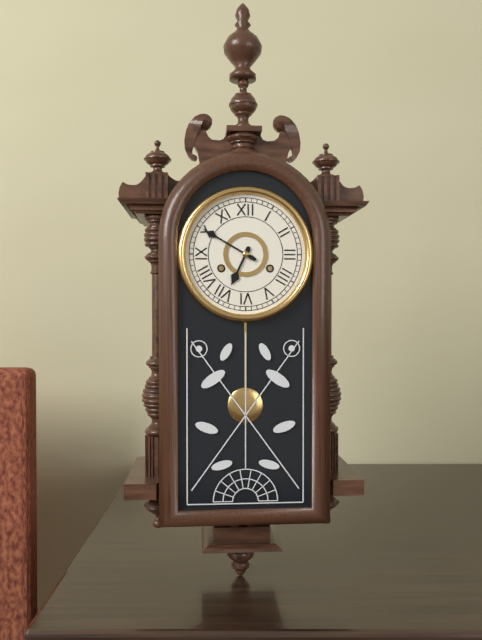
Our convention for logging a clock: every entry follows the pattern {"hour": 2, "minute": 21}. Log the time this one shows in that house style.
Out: {"hour": 6, "minute": 50}
